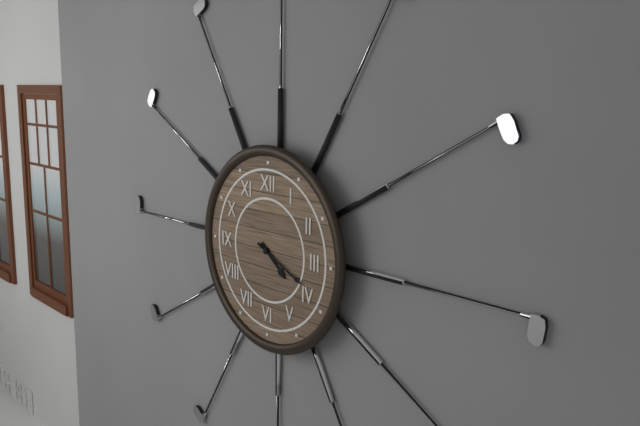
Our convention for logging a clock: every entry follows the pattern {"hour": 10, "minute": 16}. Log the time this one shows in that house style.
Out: {"hour": 4, "minute": 19}
